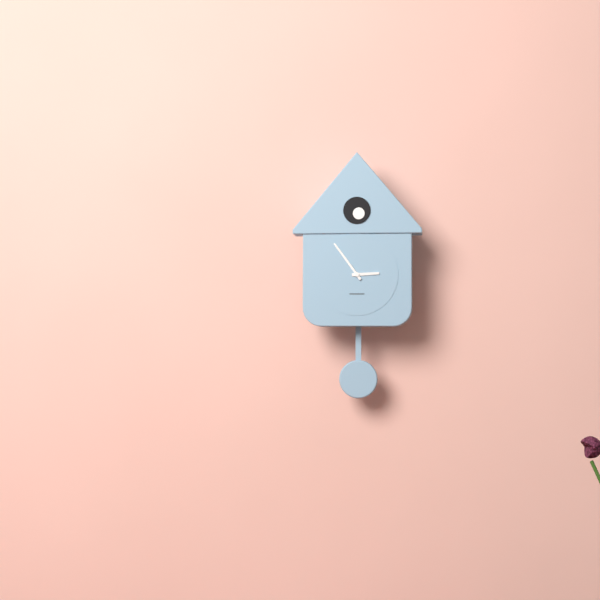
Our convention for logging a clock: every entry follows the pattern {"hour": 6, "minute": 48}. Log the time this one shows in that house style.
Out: {"hour": 2, "minute": 54}
